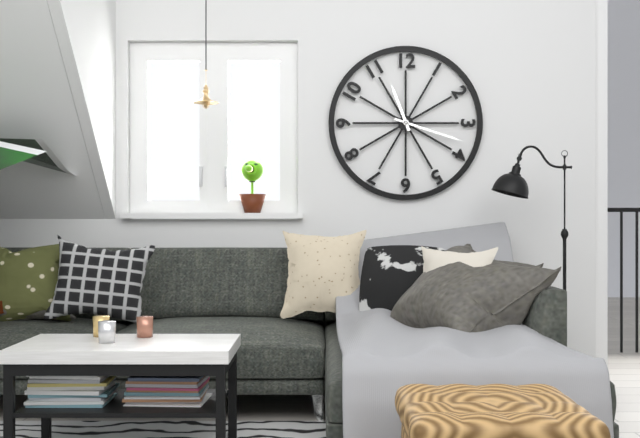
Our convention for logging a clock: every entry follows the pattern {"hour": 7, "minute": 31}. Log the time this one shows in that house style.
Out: {"hour": 11, "minute": 18}
